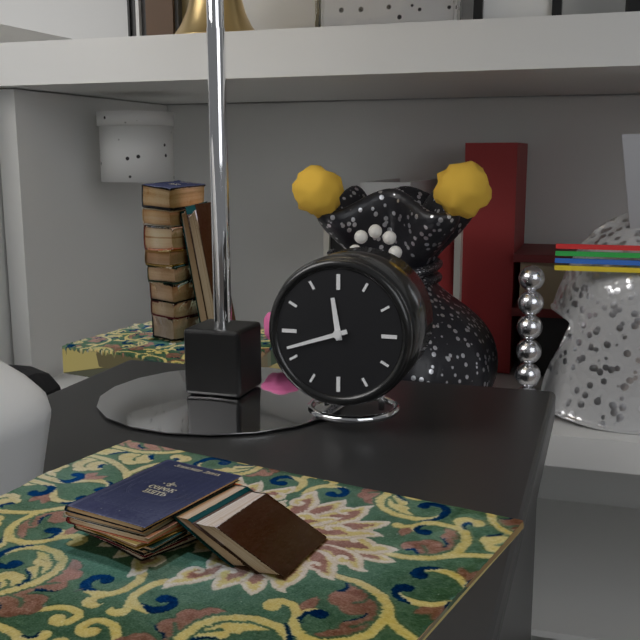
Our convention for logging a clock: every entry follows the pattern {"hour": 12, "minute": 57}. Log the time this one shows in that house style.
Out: {"hour": 11, "minute": 42}
